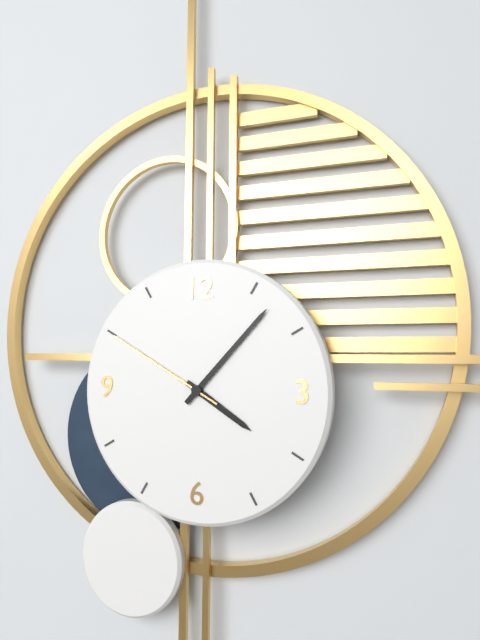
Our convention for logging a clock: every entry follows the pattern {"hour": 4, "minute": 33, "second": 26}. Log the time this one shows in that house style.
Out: {"hour": 4, "minute": 7, "second": 50}
